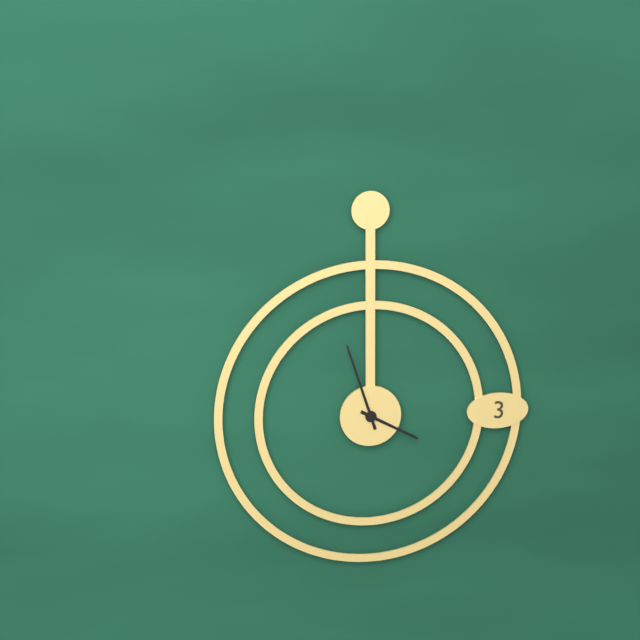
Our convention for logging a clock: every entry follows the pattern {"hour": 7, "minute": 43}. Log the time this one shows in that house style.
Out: {"hour": 3, "minute": 57}
